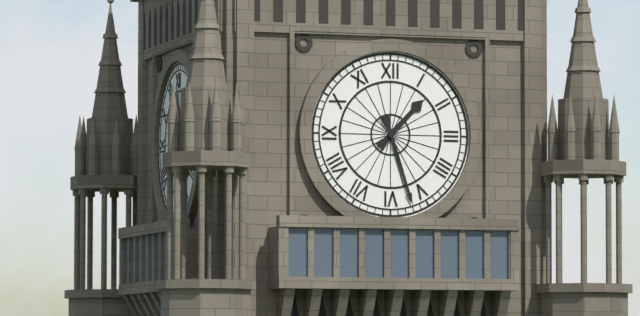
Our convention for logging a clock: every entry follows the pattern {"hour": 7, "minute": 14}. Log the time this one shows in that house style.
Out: {"hour": 1, "minute": 27}
